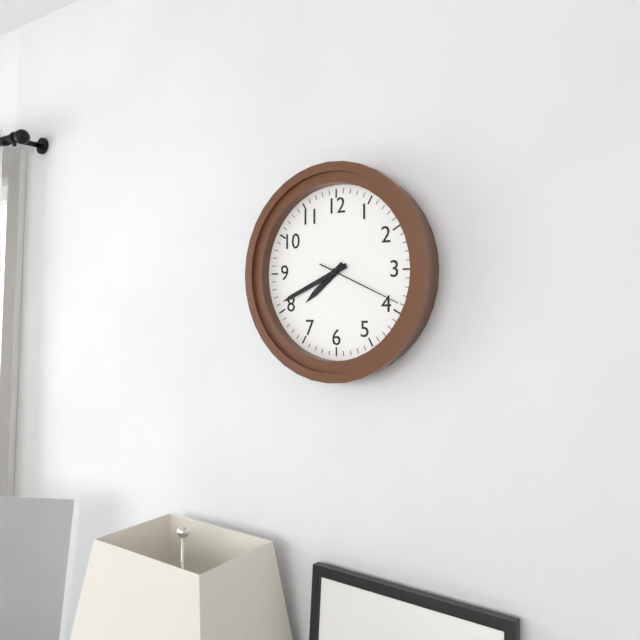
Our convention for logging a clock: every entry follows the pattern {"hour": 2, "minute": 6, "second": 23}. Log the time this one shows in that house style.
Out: {"hour": 7, "minute": 41, "second": 19}
